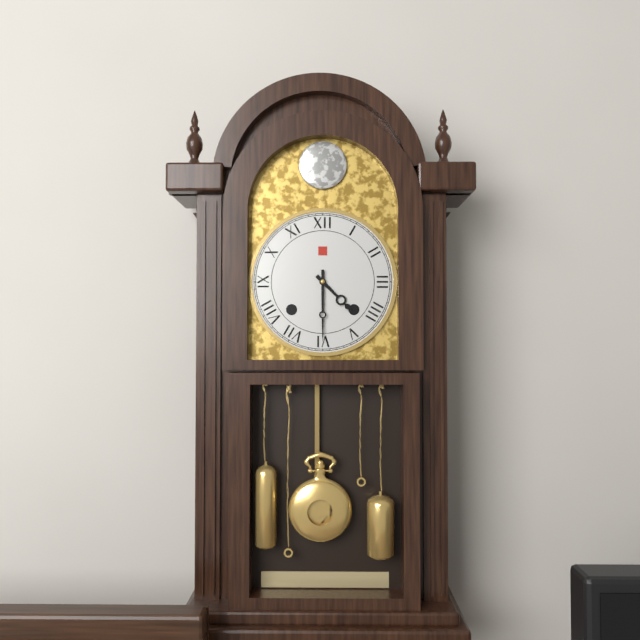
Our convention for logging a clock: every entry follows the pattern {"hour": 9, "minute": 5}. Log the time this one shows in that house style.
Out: {"hour": 4, "minute": 30}
